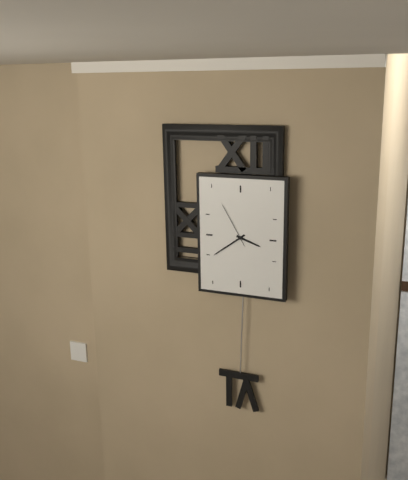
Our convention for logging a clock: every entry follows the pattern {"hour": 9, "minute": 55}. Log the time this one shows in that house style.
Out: {"hour": 3, "minute": 39}
